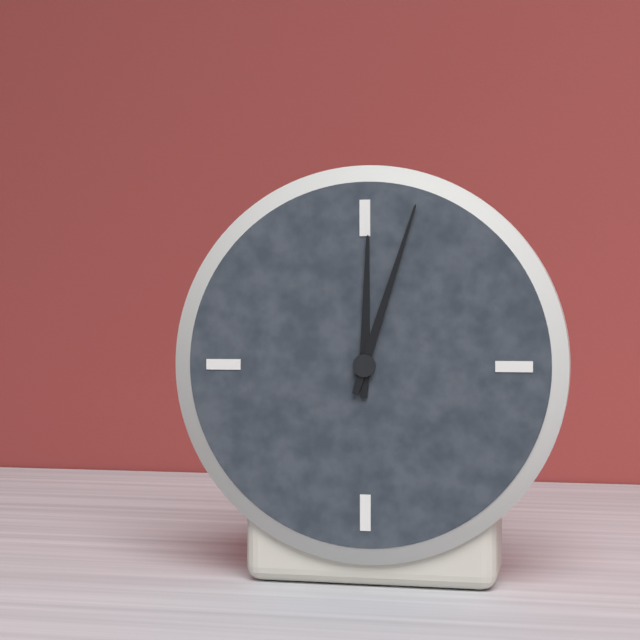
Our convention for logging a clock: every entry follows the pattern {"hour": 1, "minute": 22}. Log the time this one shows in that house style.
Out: {"hour": 12, "minute": 3}
